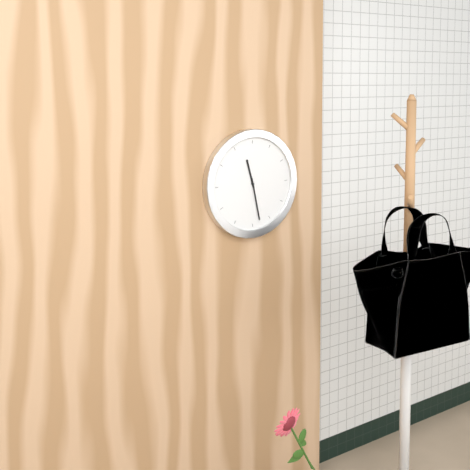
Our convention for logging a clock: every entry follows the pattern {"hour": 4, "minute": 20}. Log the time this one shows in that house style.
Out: {"hour": 11, "minute": 28}
